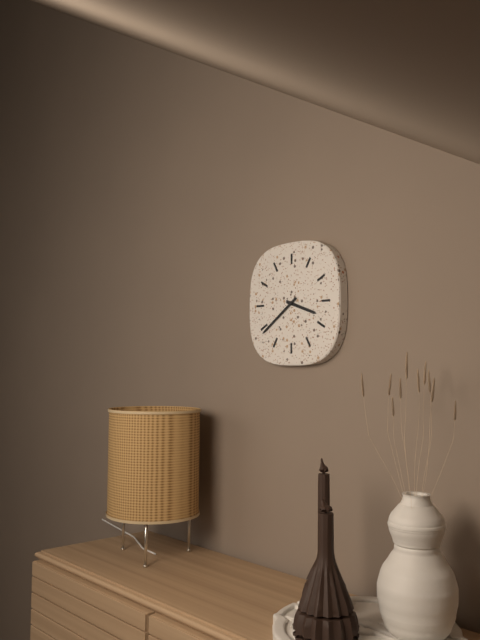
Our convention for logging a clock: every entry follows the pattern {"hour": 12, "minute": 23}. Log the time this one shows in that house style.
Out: {"hour": 3, "minute": 39}
